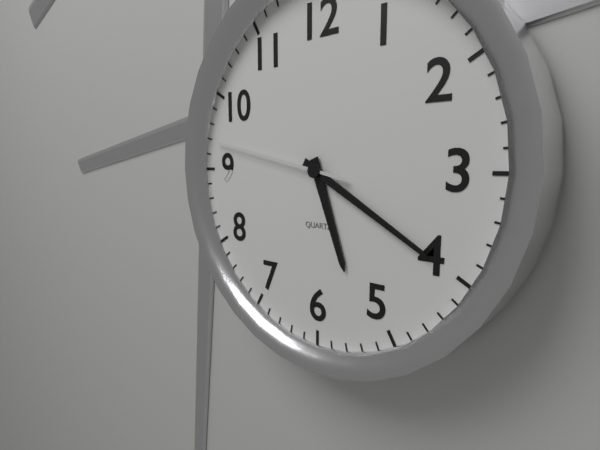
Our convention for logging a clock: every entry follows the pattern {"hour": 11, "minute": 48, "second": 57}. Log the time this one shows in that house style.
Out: {"hour": 5, "minute": 20, "second": 47}
